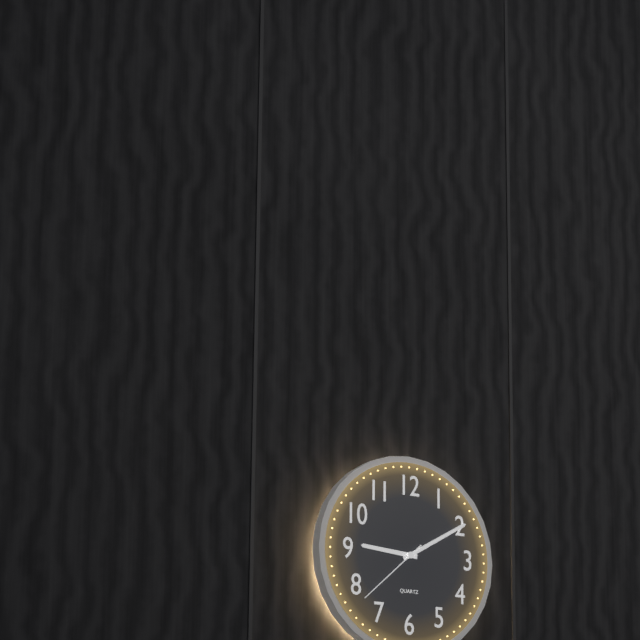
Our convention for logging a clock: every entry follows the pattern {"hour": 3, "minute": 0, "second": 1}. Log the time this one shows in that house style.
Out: {"hour": 9, "minute": 10, "second": 38}
